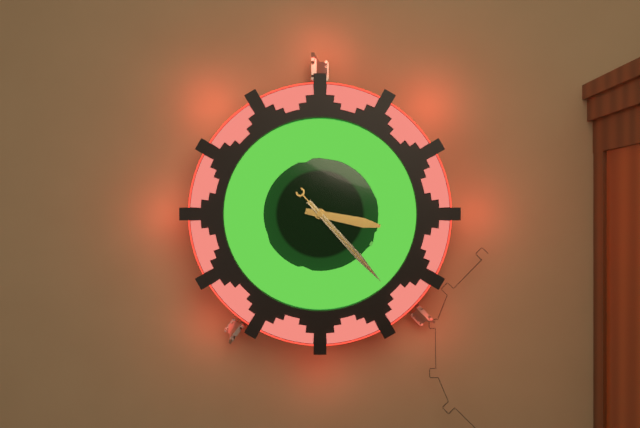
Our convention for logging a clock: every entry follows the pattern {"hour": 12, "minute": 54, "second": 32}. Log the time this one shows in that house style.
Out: {"hour": 3, "minute": 23, "second": 23}
